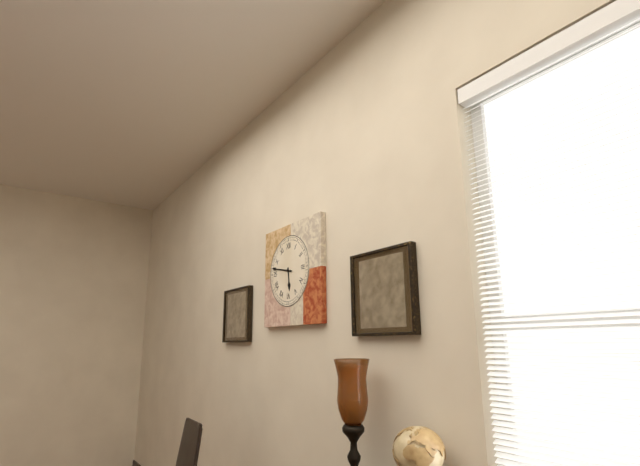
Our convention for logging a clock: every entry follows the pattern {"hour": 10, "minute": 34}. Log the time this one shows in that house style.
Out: {"hour": 5, "minute": 47}
